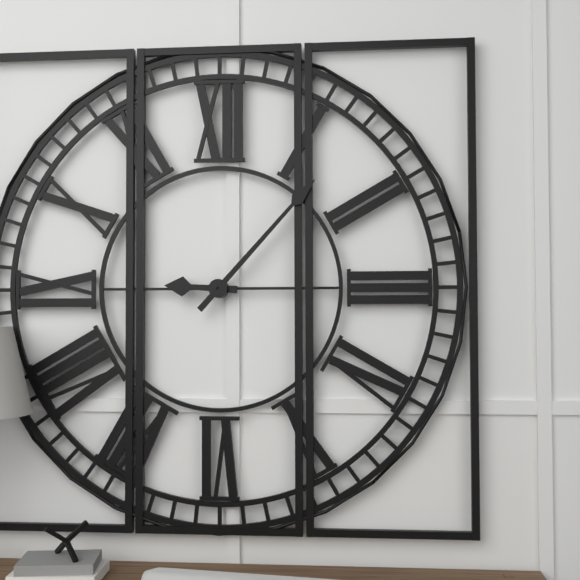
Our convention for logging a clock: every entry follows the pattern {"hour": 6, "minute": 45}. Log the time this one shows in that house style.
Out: {"hour": 9, "minute": 7}
